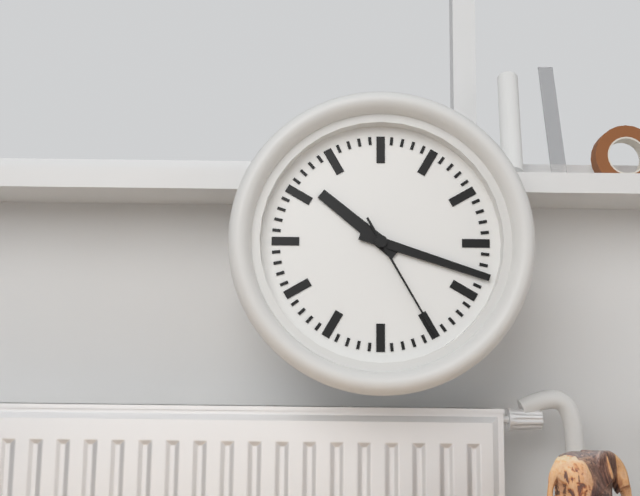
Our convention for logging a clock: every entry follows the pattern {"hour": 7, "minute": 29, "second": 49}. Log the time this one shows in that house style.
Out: {"hour": 10, "minute": 18, "second": 25}
